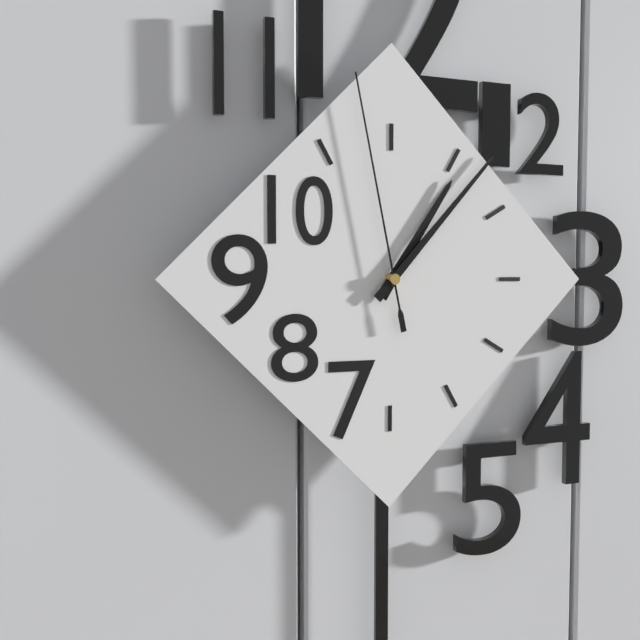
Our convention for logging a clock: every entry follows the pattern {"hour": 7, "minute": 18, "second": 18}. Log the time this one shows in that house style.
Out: {"hour": 1, "minute": 7, "second": 58}
